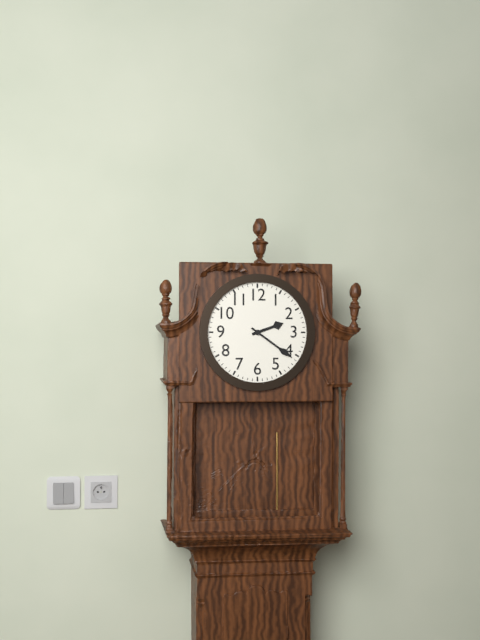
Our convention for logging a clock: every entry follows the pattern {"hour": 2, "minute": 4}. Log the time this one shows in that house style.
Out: {"hour": 2, "minute": 21}
